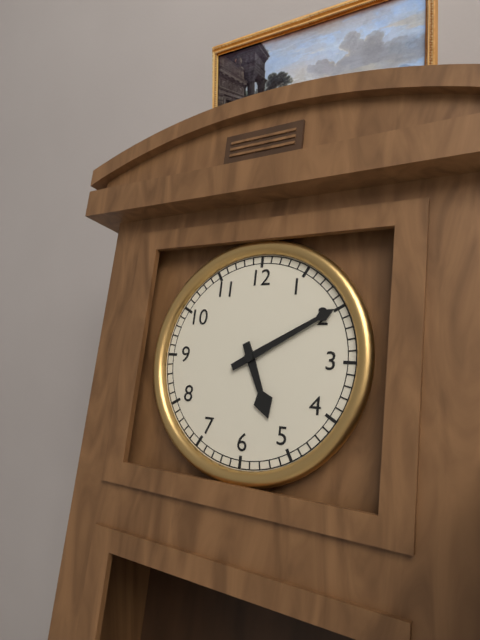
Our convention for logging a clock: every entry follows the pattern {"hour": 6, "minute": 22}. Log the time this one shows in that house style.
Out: {"hour": 5, "minute": 10}
